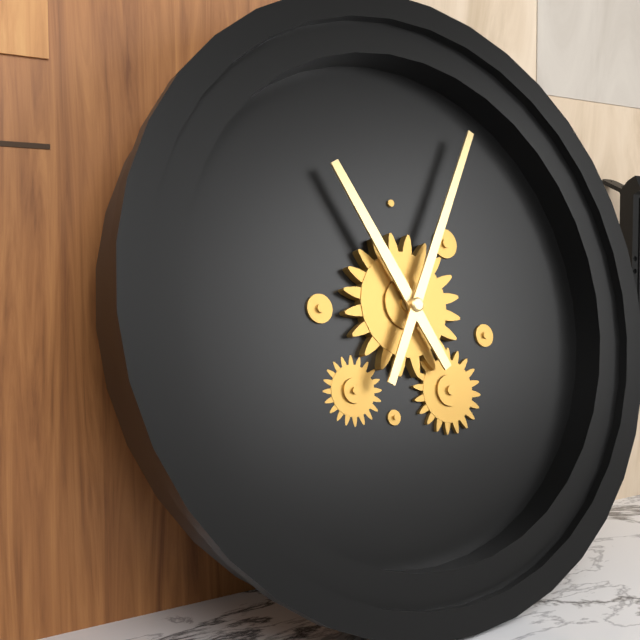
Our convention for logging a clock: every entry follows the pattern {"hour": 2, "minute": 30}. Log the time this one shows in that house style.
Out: {"hour": 11, "minute": 5}
